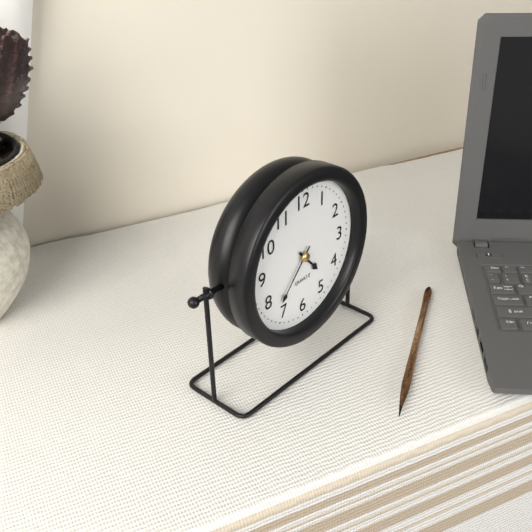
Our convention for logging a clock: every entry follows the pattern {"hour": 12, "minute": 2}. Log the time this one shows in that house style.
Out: {"hour": 4, "minute": 37}
